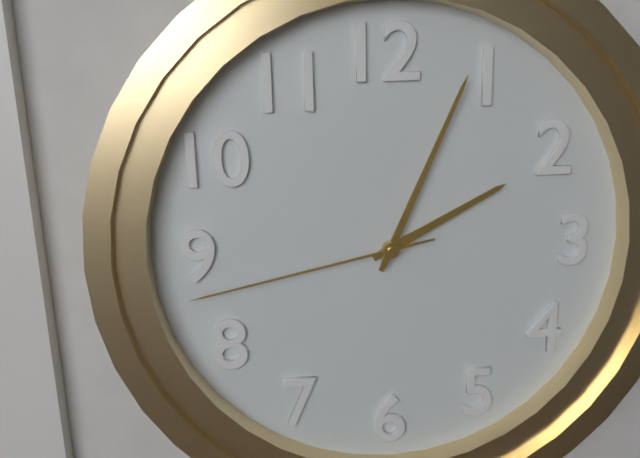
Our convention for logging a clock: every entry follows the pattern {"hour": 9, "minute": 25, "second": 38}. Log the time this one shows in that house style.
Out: {"hour": 2, "minute": 4, "second": 43}
